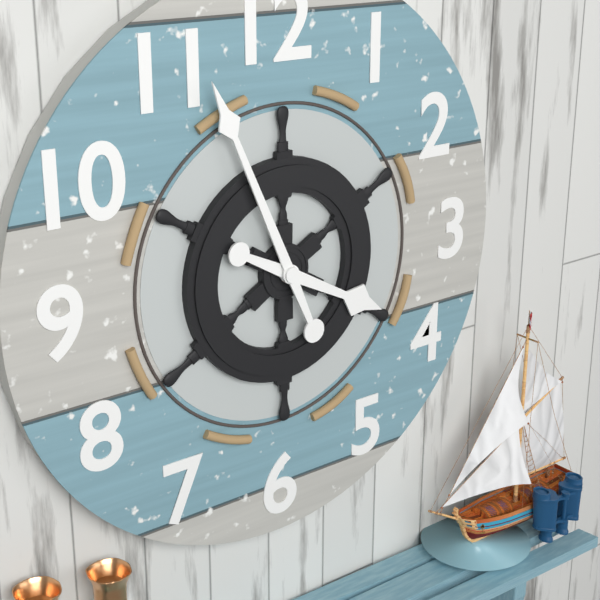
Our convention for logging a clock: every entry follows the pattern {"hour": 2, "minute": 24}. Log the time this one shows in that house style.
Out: {"hour": 3, "minute": 56}
